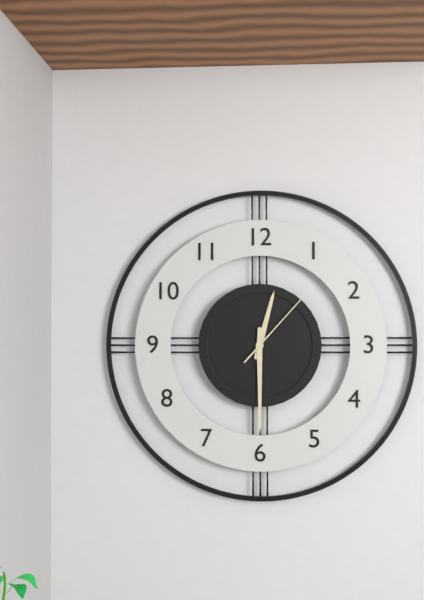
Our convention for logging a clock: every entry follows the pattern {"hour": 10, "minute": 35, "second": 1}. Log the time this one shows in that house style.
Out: {"hour": 12, "minute": 30, "second": 7}
